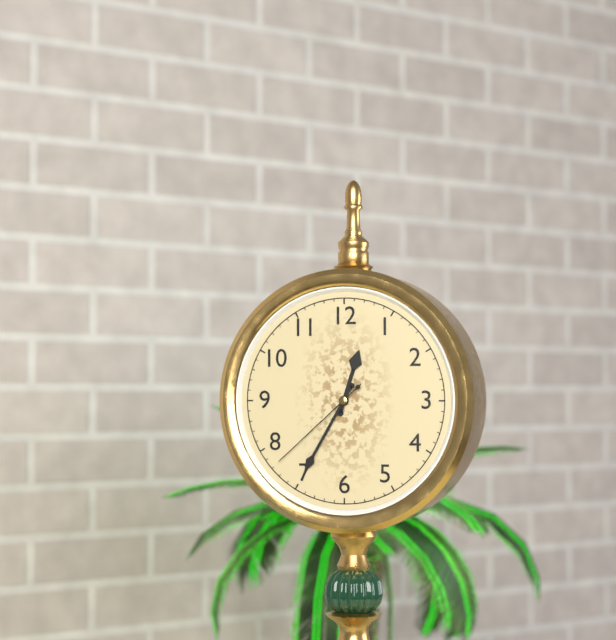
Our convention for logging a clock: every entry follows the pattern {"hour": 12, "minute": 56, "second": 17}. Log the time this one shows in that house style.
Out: {"hour": 12, "minute": 35, "second": 38}
